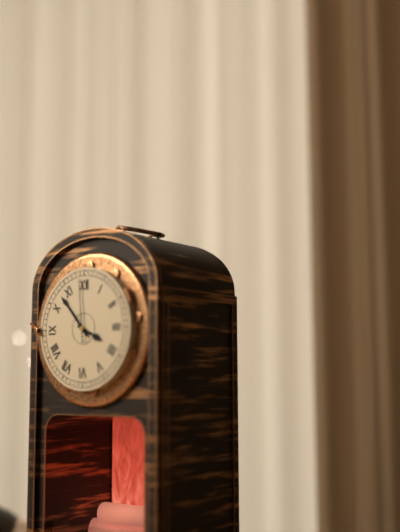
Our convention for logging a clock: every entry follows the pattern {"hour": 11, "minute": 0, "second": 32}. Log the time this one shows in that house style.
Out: {"hour": 3, "minute": 53, "second": 59}
